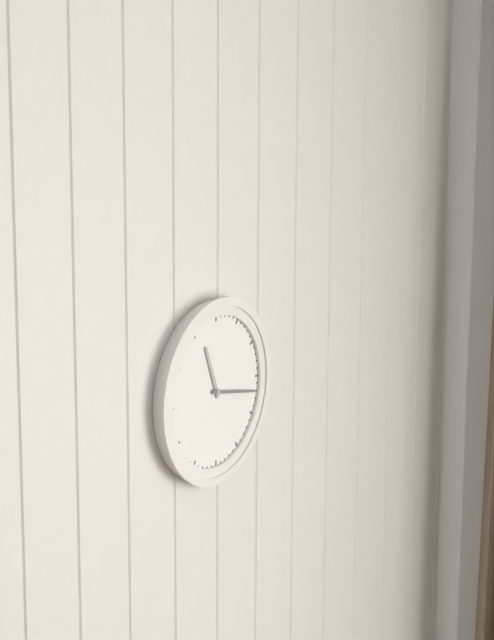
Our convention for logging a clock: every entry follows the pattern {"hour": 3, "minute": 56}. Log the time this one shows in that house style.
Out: {"hour": 11, "minute": 17}
